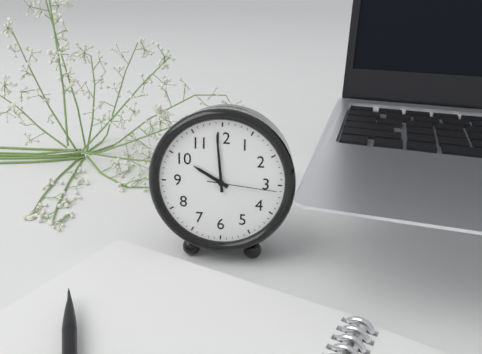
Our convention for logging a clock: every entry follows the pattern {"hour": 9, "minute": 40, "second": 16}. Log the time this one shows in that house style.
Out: {"hour": 9, "minute": 59, "second": 16}
